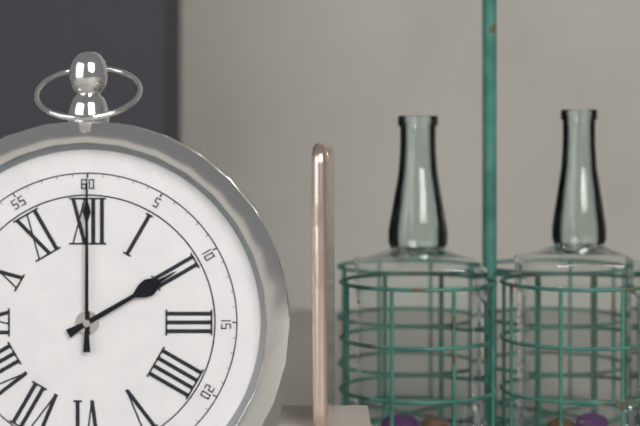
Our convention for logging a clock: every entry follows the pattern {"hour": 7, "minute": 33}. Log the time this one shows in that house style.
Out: {"hour": 2, "minute": 0}
